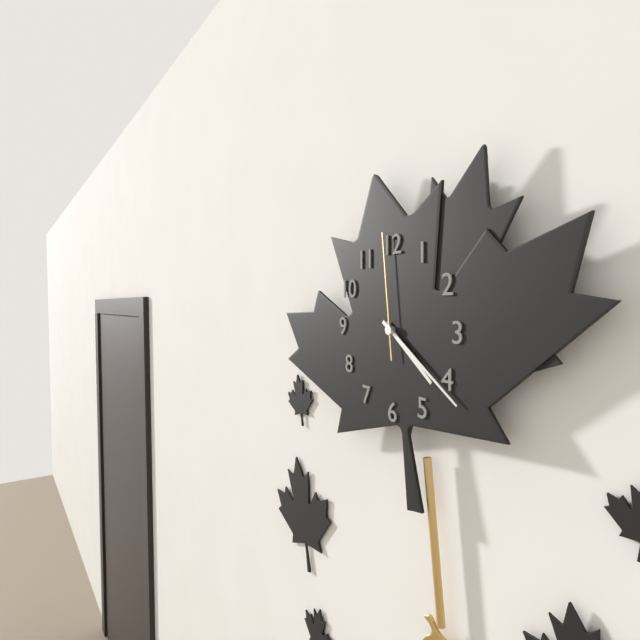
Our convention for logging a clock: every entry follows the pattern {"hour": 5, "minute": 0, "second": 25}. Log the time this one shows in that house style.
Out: {"hour": 4, "minute": 21, "second": 59}
